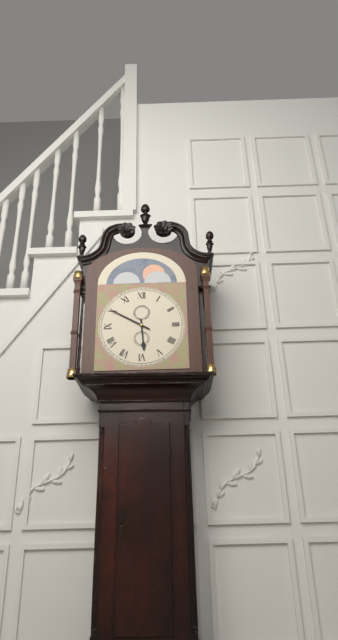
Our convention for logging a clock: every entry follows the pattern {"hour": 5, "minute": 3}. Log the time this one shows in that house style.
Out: {"hour": 5, "minute": 50}
